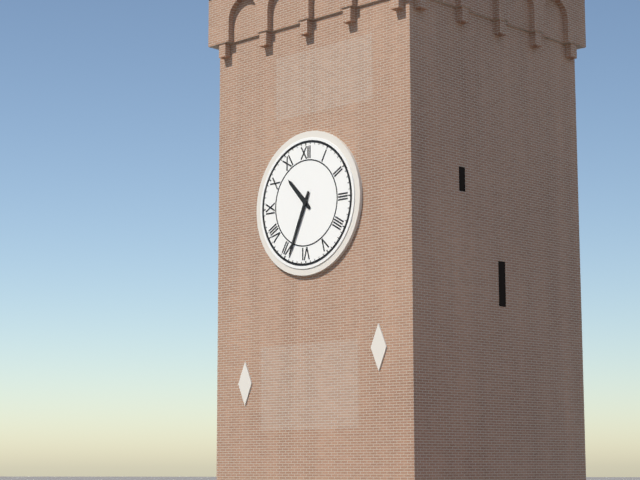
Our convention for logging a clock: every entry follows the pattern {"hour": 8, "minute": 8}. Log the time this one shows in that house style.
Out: {"hour": 10, "minute": 34}
